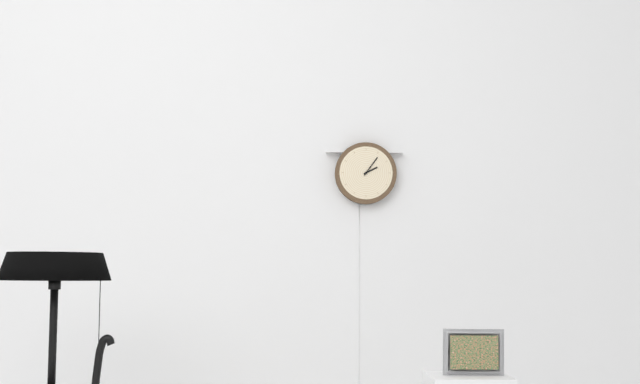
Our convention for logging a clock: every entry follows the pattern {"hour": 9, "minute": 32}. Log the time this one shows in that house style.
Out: {"hour": 2, "minute": 6}
